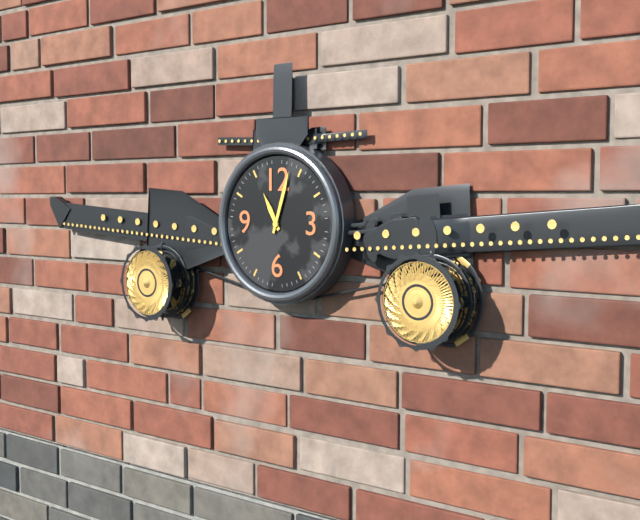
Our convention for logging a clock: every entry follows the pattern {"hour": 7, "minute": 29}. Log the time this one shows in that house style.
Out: {"hour": 11, "minute": 3}
